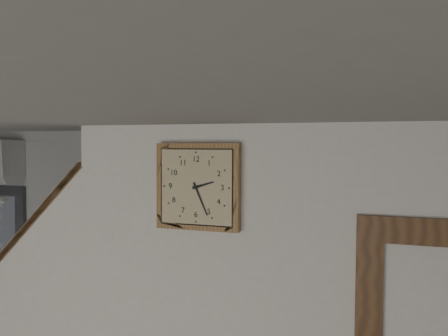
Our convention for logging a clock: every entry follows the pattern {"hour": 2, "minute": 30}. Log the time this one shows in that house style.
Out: {"hour": 2, "minute": 26}
